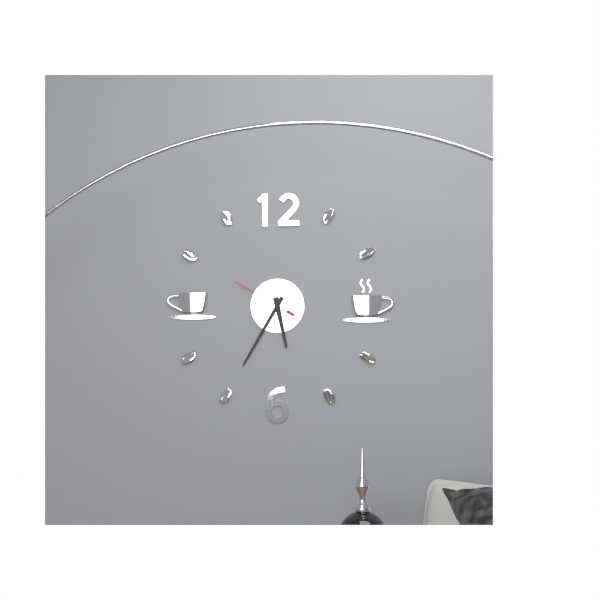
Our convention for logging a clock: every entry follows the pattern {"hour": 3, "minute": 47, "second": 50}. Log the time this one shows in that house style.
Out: {"hour": 5, "minute": 35, "second": 50}
